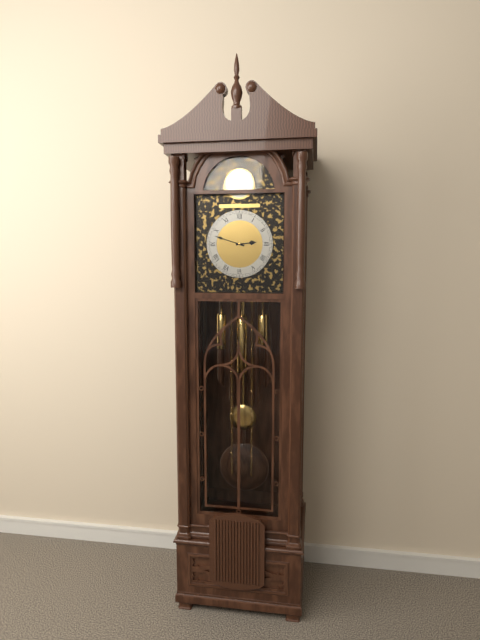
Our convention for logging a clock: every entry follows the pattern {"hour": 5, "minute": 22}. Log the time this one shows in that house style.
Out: {"hour": 2, "minute": 48}
